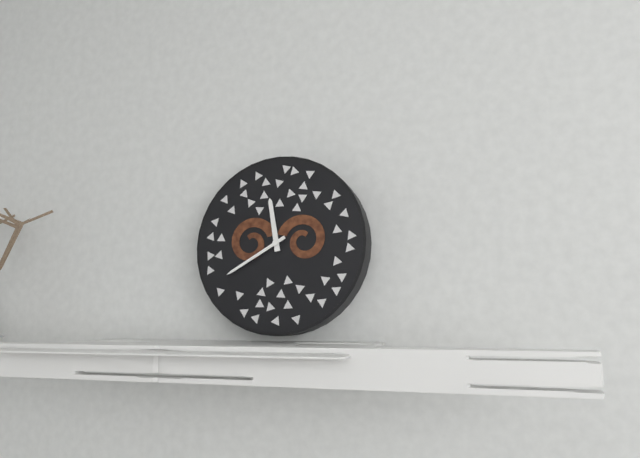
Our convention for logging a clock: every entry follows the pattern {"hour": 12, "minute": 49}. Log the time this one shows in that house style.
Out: {"hour": 11, "minute": 40}
